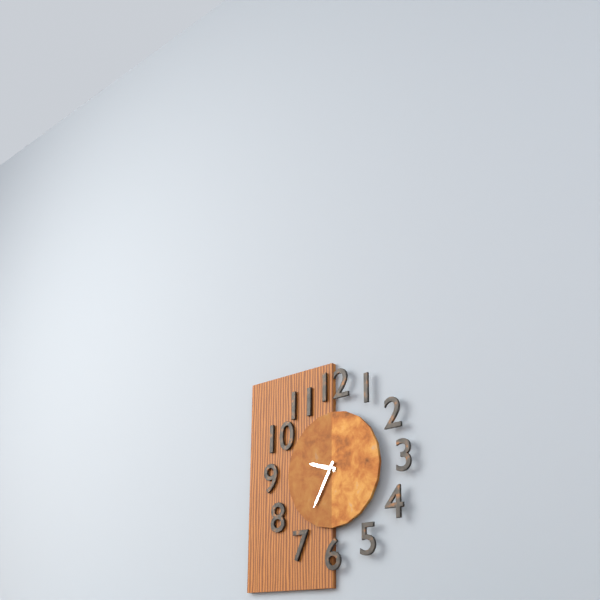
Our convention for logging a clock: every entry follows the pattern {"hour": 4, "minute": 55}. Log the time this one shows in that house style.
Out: {"hour": 9, "minute": 35}
